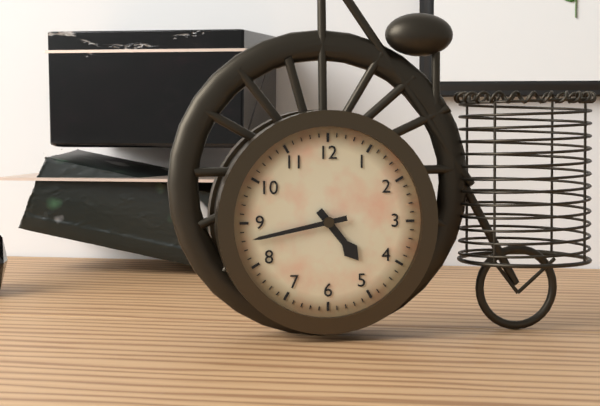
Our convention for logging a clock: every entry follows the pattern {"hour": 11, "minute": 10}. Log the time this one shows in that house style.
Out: {"hour": 4, "minute": 43}
